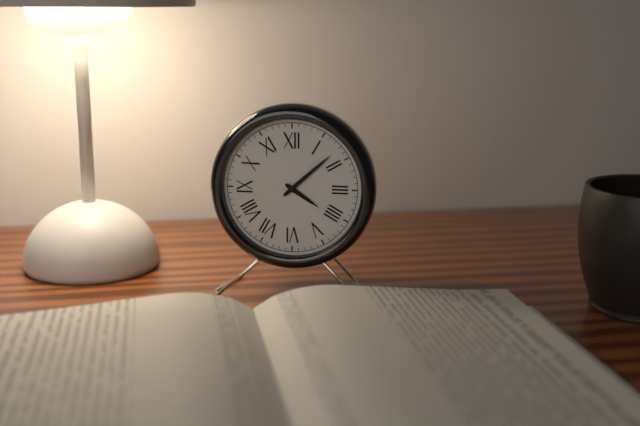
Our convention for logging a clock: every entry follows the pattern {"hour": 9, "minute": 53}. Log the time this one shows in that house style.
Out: {"hour": 4, "minute": 8}
